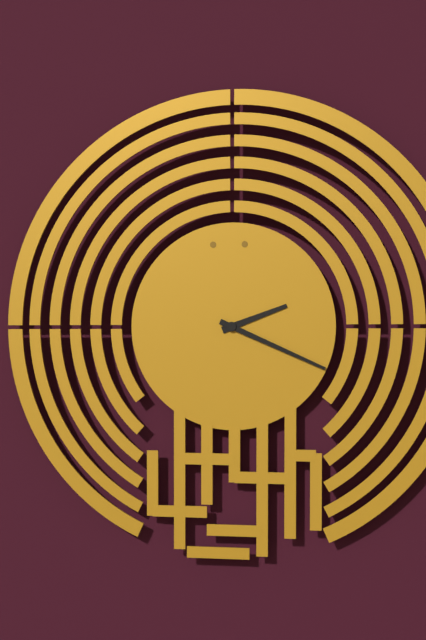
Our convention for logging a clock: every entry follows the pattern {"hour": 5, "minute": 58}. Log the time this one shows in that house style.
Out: {"hour": 2, "minute": 19}
